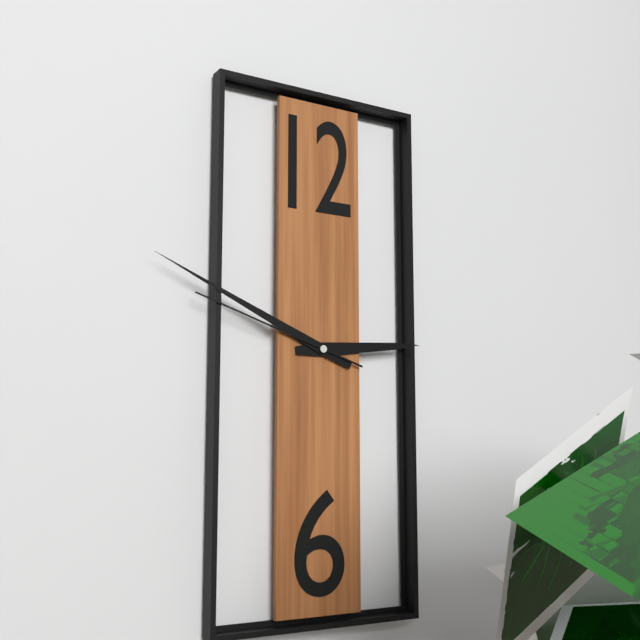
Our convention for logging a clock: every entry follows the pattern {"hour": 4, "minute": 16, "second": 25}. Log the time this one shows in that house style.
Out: {"hour": 2, "minute": 49, "second": 48}
